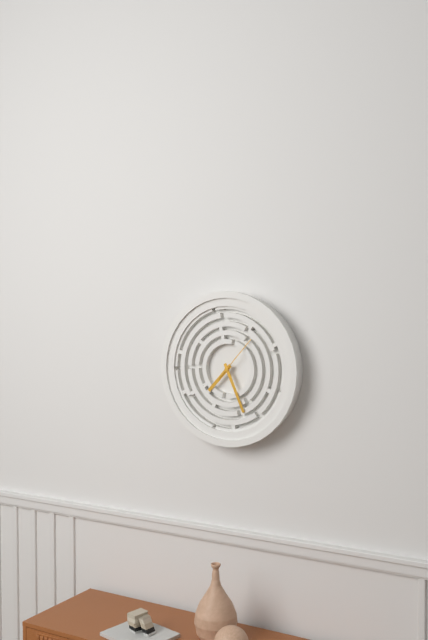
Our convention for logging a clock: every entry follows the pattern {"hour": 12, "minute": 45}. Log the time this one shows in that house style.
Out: {"hour": 7, "minute": 26}
